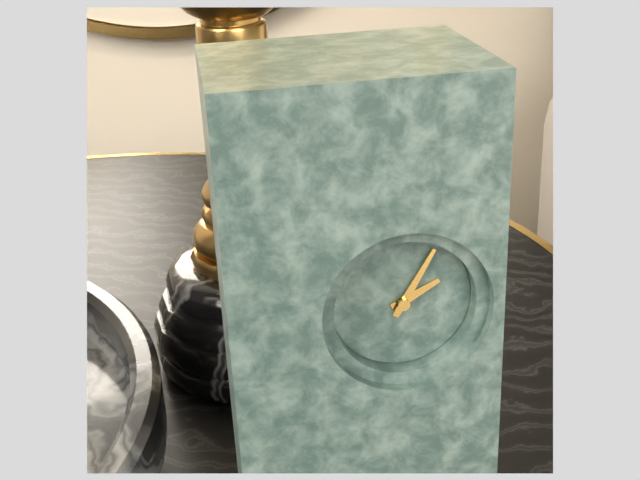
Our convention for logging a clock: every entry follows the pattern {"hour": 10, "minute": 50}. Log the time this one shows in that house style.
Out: {"hour": 2, "minute": 5}
